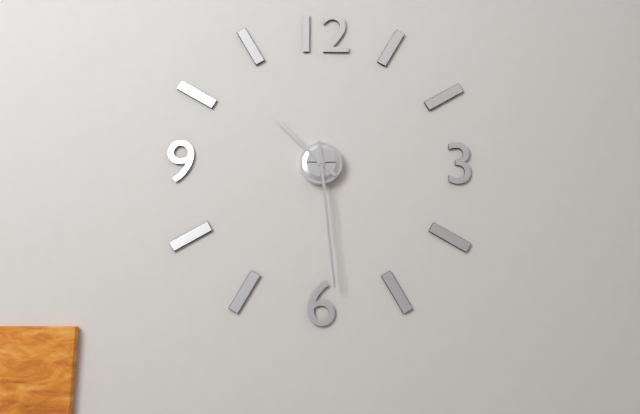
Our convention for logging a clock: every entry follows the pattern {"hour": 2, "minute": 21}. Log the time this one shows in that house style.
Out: {"hour": 10, "minute": 29}
